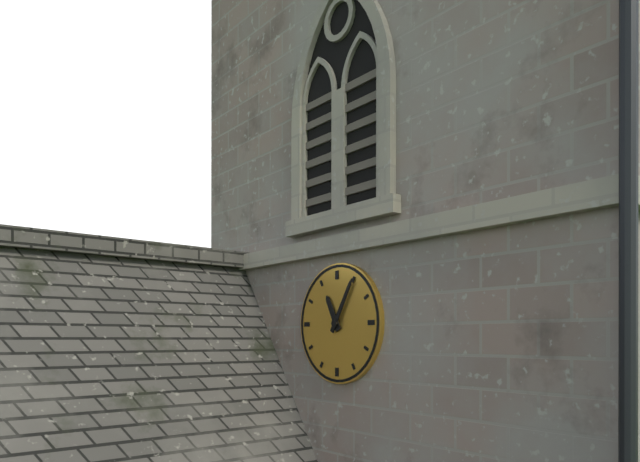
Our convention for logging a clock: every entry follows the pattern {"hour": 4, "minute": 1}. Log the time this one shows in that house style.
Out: {"hour": 11, "minute": 5}
